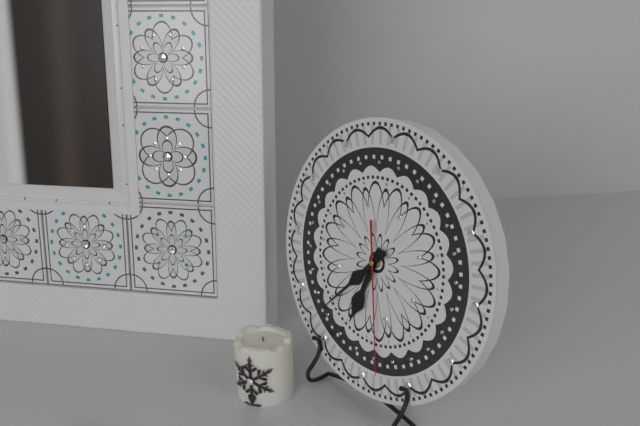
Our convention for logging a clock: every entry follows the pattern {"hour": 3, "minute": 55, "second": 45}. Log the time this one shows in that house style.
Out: {"hour": 6, "minute": 37, "second": 28}
